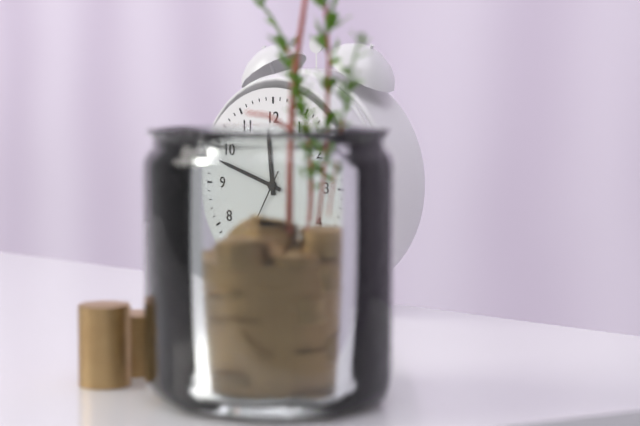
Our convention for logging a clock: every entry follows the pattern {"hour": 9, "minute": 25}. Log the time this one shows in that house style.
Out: {"hour": 11, "minute": 48}
